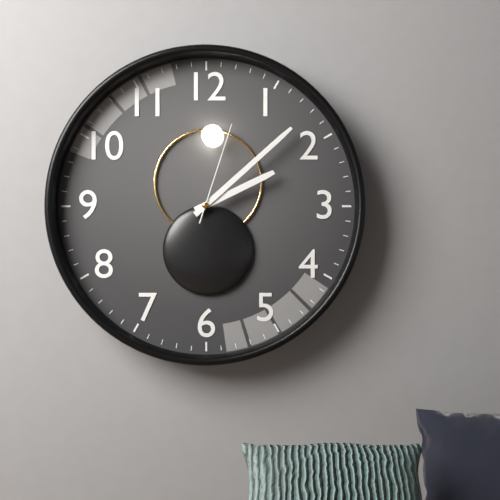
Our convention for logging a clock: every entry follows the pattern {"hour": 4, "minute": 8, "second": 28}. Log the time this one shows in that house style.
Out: {"hour": 2, "minute": 8, "second": 3}
